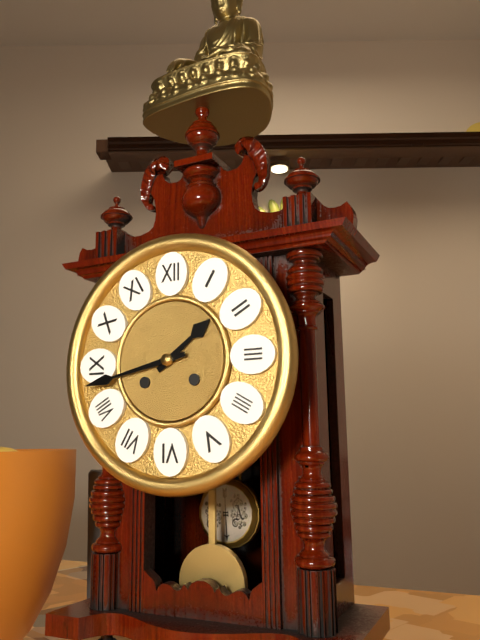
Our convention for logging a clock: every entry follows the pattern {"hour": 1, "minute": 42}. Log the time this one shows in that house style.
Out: {"hour": 1, "minute": 43}
